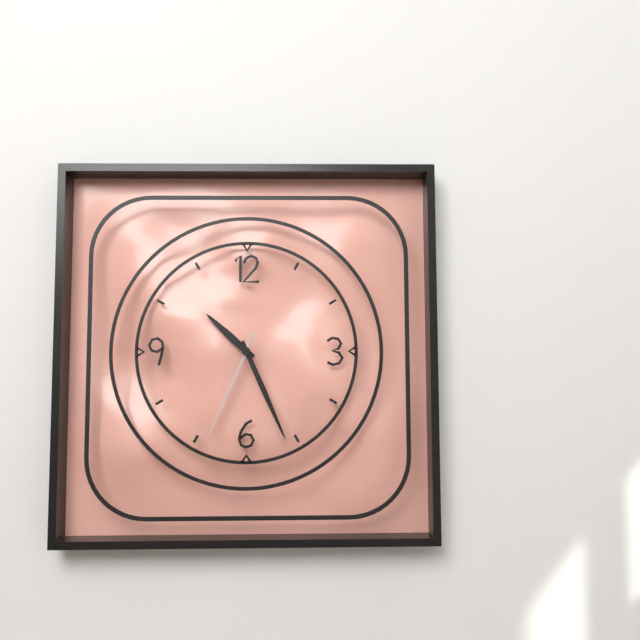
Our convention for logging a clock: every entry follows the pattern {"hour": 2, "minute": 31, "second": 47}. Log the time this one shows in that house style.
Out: {"hour": 10, "minute": 26, "second": 34}
